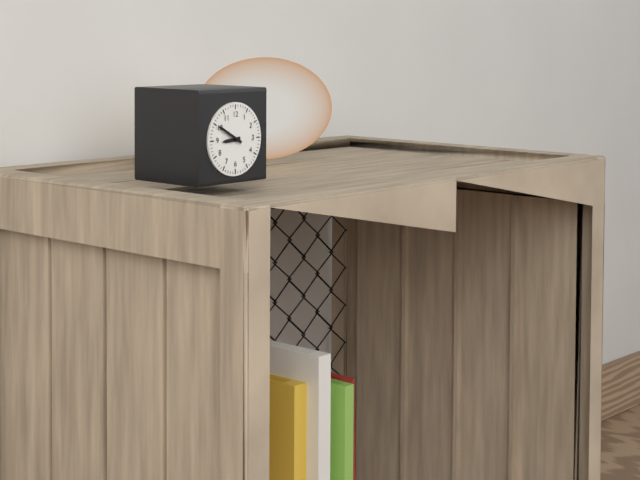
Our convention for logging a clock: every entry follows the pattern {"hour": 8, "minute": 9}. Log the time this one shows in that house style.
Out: {"hour": 8, "minute": 50}
